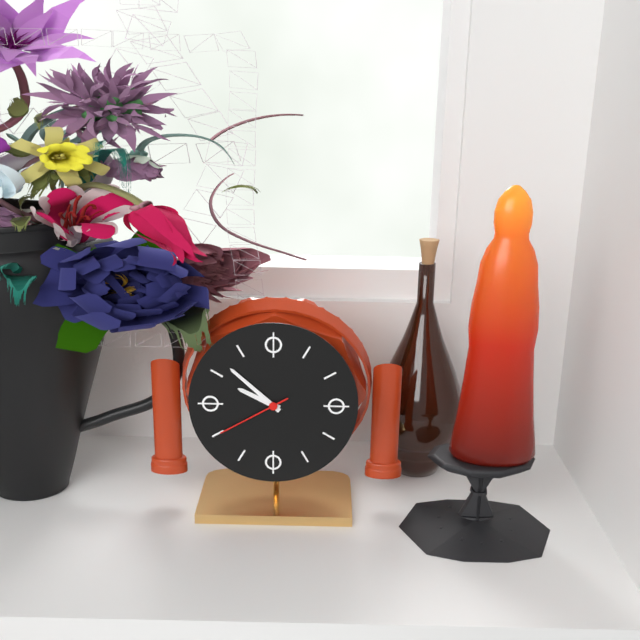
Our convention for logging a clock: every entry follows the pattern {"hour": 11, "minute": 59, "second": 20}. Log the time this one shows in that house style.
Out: {"hour": 9, "minute": 52, "second": 40}
